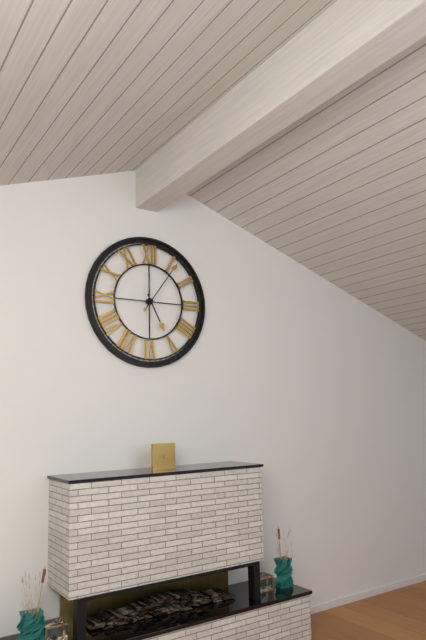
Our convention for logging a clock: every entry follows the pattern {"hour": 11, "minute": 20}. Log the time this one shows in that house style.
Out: {"hour": 5, "minute": 6}
